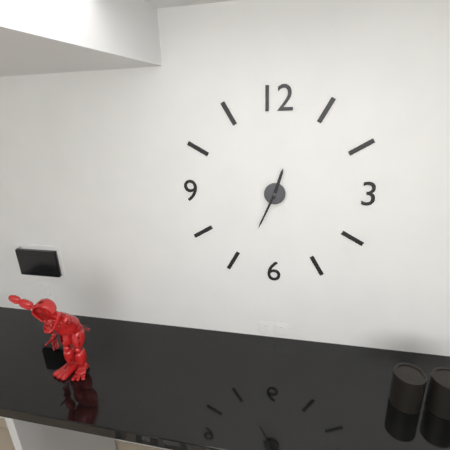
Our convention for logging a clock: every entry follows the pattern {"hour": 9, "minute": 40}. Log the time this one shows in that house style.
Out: {"hour": 12, "minute": 34}
